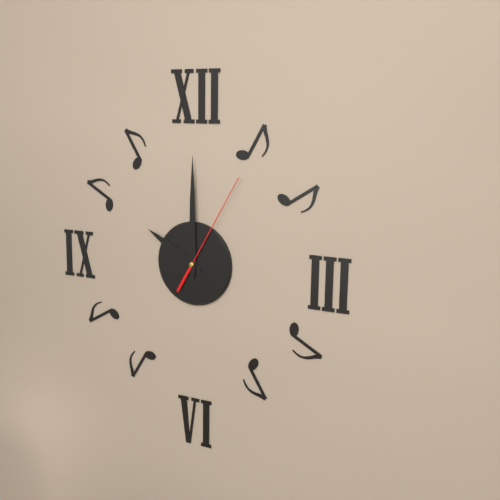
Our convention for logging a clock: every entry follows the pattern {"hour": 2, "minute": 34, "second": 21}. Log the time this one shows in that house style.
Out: {"hour": 10, "minute": 0, "second": 5}
